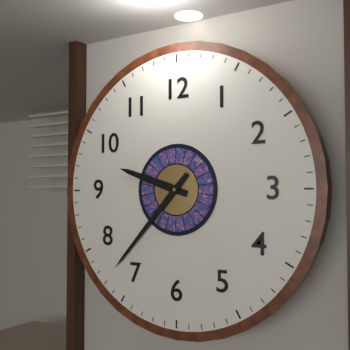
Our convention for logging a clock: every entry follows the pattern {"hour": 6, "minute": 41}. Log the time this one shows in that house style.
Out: {"hour": 9, "minute": 37}
